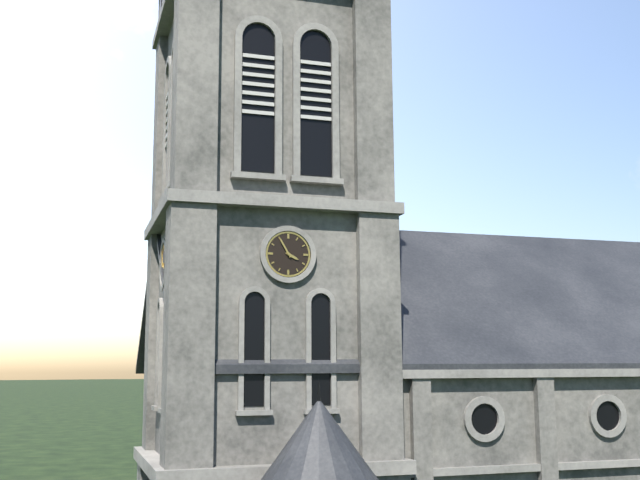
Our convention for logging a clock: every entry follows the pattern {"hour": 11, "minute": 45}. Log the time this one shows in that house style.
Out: {"hour": 3, "minute": 55}
